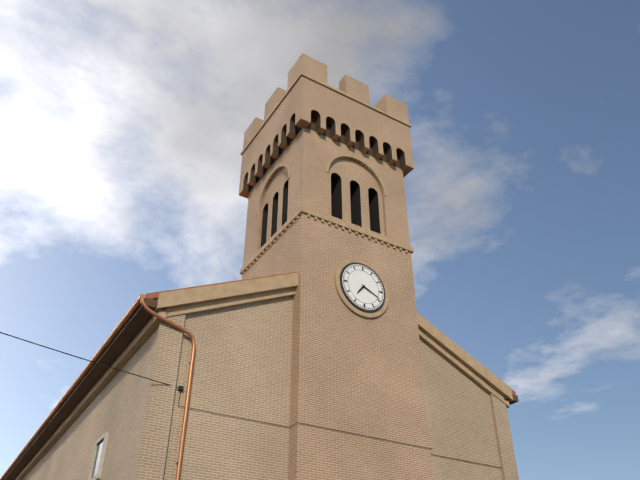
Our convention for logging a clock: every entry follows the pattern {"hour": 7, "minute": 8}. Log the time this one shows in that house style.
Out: {"hour": 7, "minute": 19}
